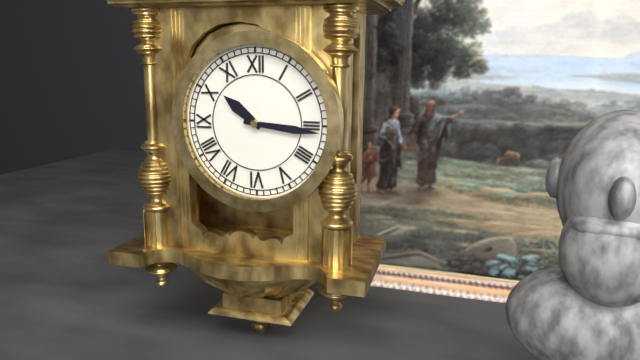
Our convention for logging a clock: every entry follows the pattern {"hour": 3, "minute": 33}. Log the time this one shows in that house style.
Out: {"hour": 10, "minute": 16}
